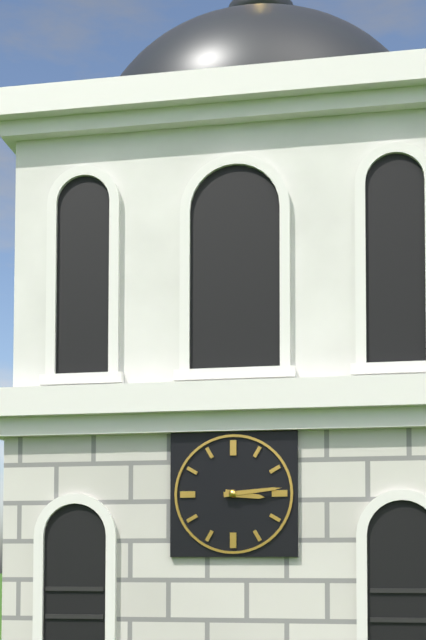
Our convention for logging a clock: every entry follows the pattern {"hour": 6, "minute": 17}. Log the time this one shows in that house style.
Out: {"hour": 3, "minute": 14}
